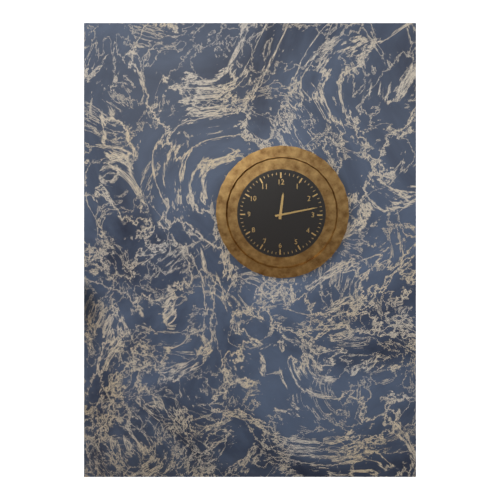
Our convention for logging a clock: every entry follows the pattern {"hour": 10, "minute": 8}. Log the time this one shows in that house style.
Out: {"hour": 12, "minute": 13}
